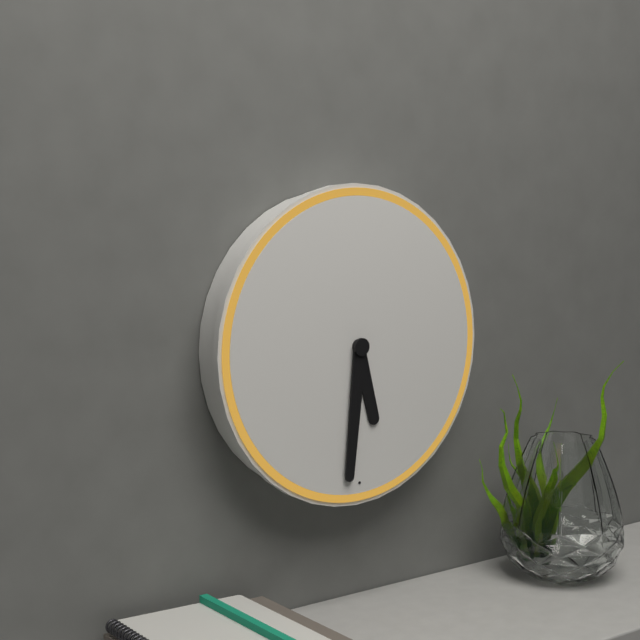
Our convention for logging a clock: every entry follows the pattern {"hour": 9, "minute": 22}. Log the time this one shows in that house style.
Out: {"hour": 5, "minute": 31}
